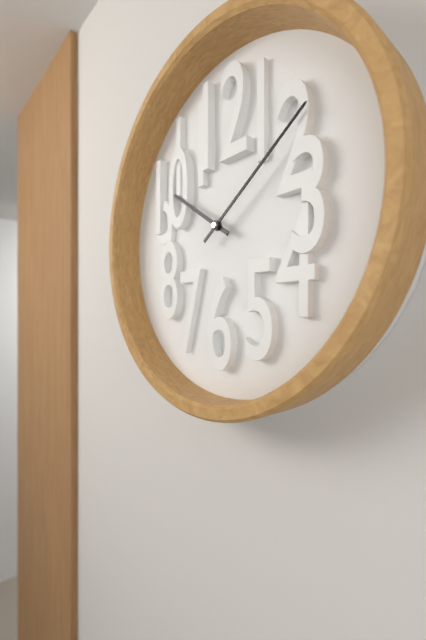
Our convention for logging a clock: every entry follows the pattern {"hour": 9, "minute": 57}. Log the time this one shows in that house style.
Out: {"hour": 10, "minute": 9}
